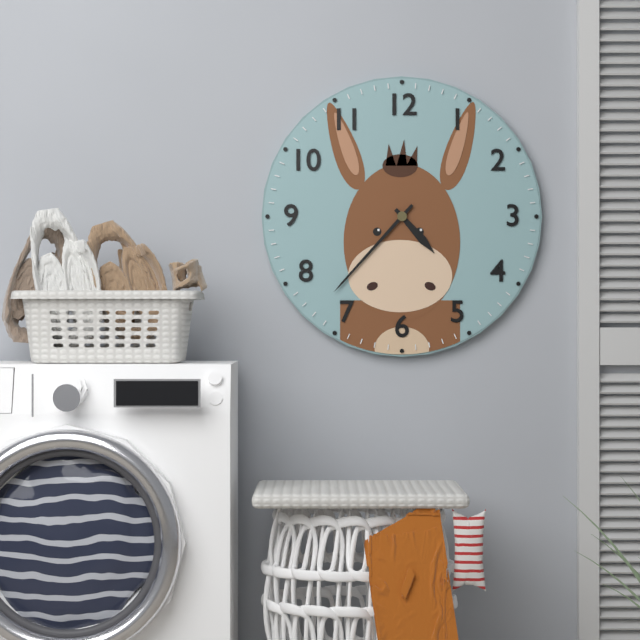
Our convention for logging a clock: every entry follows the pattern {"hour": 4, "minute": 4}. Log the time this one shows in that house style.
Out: {"hour": 4, "minute": 37}
